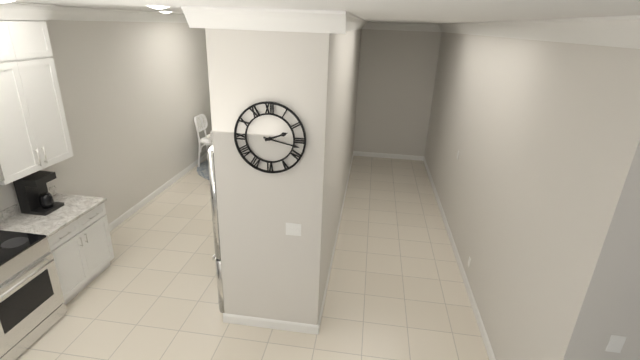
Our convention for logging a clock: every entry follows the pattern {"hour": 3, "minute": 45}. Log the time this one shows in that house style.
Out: {"hour": 2, "minute": 17}
